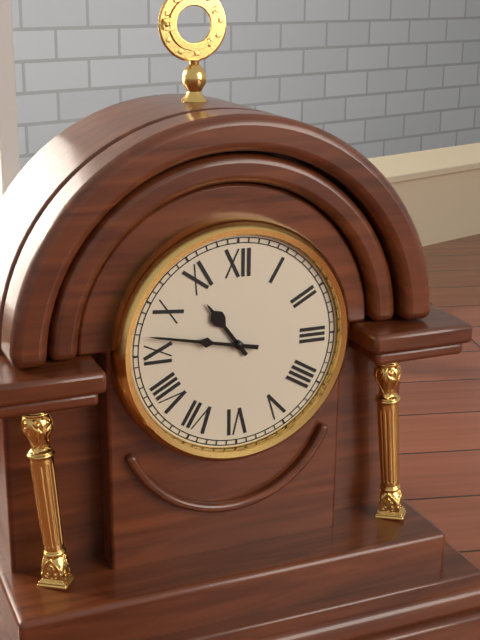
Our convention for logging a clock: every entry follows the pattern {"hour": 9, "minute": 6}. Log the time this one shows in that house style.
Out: {"hour": 10, "minute": 47}
